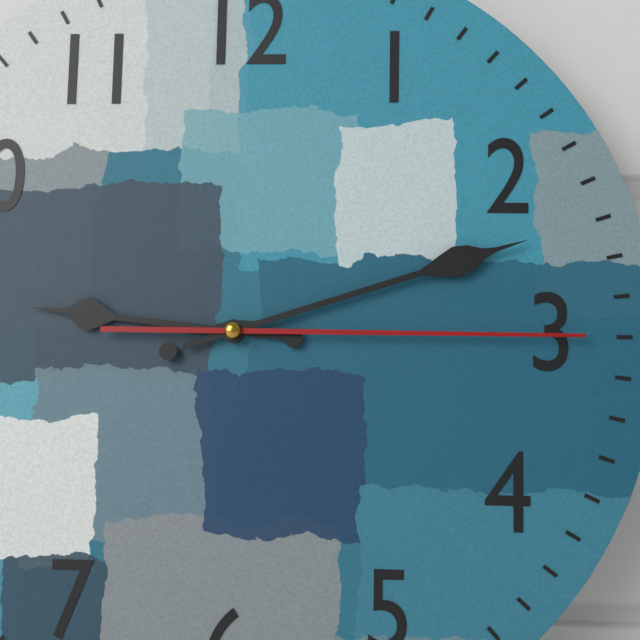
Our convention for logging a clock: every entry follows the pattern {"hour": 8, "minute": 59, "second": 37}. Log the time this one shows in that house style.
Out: {"hour": 9, "minute": 12, "second": 15}
